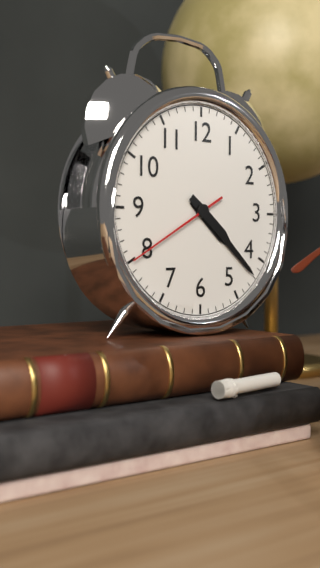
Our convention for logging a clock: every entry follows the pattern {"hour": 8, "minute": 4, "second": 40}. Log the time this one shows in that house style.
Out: {"hour": 4, "minute": 22, "second": 40}
